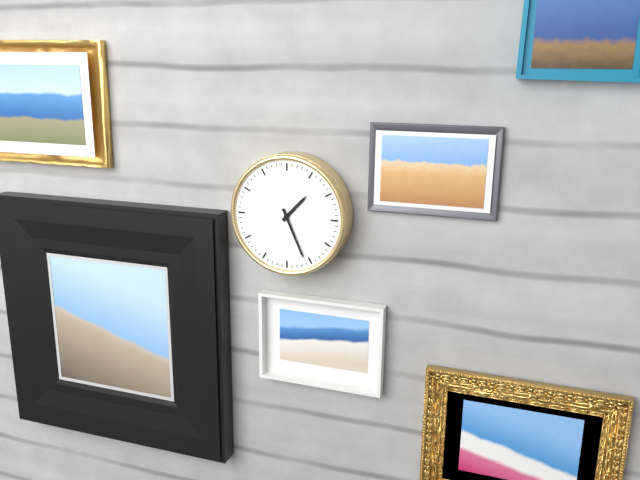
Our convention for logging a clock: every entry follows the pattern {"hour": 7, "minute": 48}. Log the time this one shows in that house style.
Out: {"hour": 1, "minute": 26}
